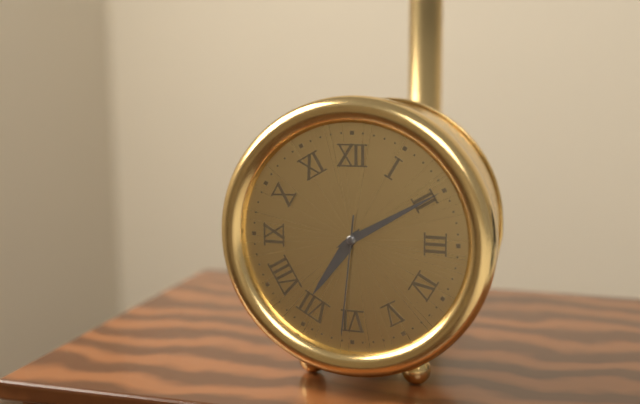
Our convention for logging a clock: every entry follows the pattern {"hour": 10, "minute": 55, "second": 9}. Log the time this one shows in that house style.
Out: {"hour": 7, "minute": 10, "second": 31}
